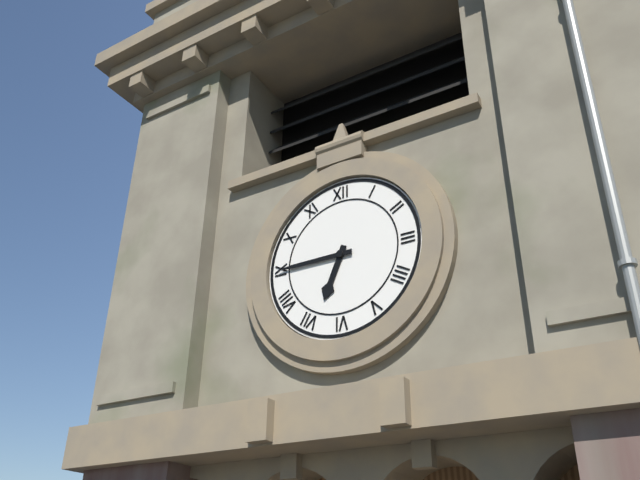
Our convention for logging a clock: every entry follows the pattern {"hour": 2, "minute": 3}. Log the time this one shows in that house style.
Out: {"hour": 6, "minute": 45}
